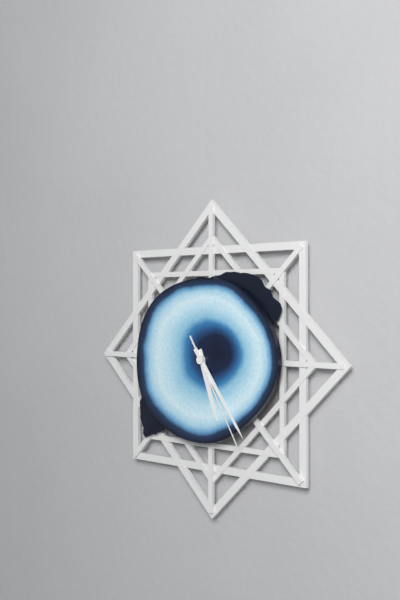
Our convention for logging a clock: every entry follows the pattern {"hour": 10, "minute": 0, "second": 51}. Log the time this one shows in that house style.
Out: {"hour": 5, "minute": 24, "second": 25}
